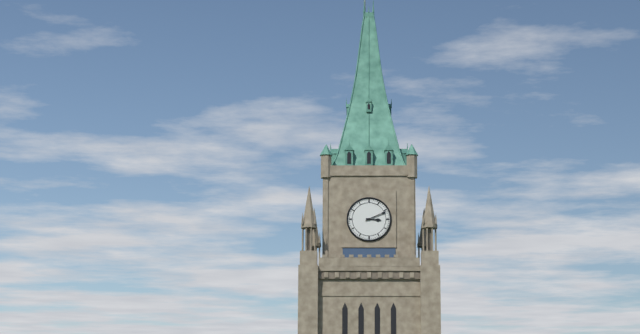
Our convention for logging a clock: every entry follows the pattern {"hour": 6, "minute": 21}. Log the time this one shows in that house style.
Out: {"hour": 3, "minute": 11}
